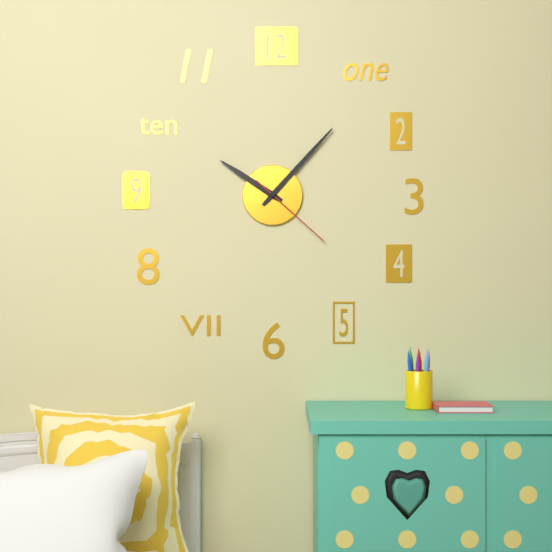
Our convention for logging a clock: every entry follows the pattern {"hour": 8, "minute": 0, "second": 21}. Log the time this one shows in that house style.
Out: {"hour": 10, "minute": 7, "second": 22}
